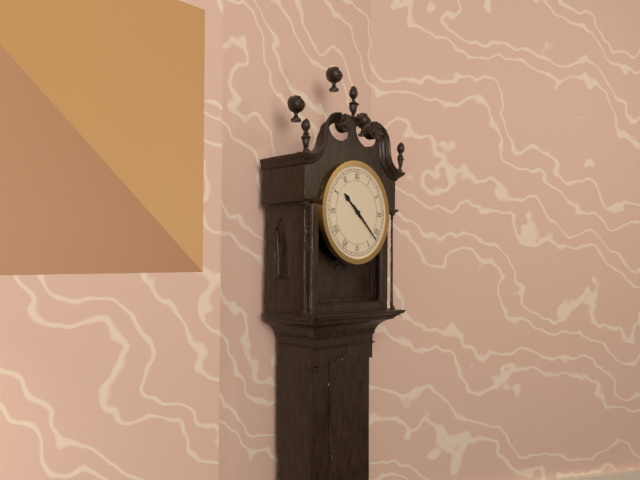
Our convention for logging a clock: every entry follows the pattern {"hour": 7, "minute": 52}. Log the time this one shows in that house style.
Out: {"hour": 10, "minute": 22}
